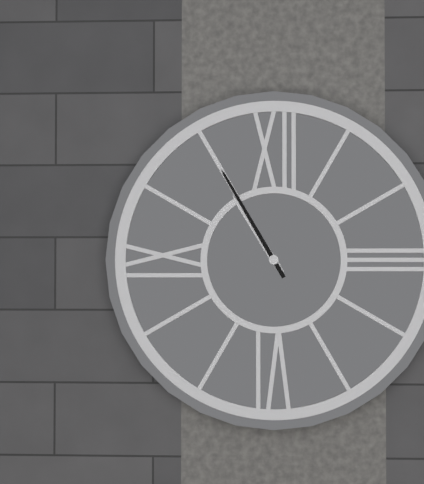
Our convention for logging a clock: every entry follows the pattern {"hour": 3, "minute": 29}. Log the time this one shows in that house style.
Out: {"hour": 10, "minute": 55}
